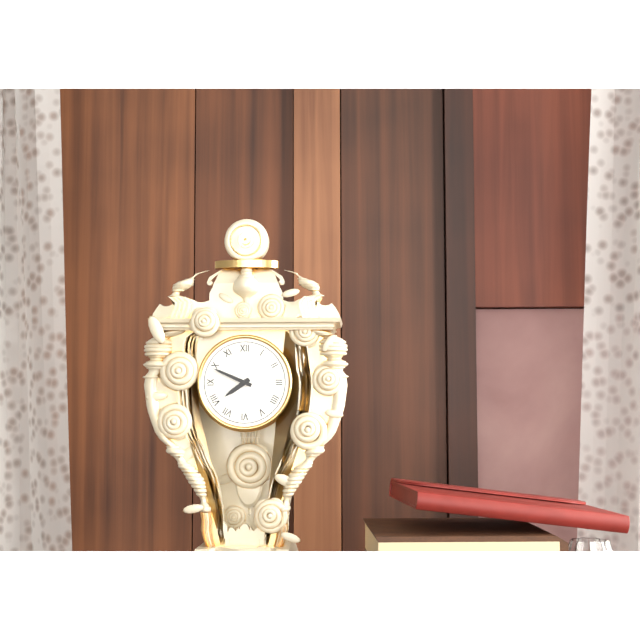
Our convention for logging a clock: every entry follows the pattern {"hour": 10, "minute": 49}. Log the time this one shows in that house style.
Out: {"hour": 7, "minute": 49}
